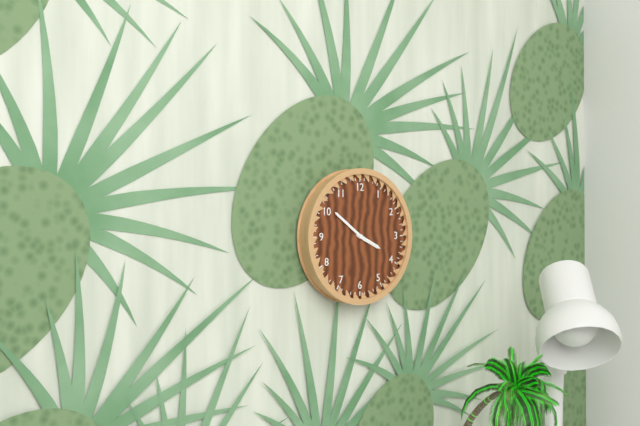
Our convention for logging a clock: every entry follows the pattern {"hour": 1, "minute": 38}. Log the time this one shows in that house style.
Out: {"hour": 3, "minute": 51}
